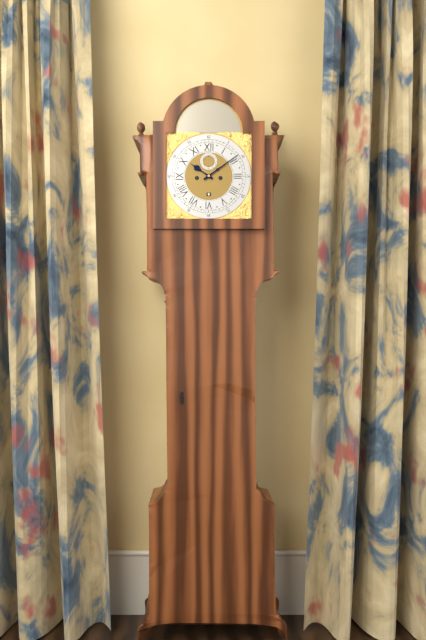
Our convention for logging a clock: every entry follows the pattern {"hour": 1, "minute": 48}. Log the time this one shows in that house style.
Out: {"hour": 10, "minute": 9}
